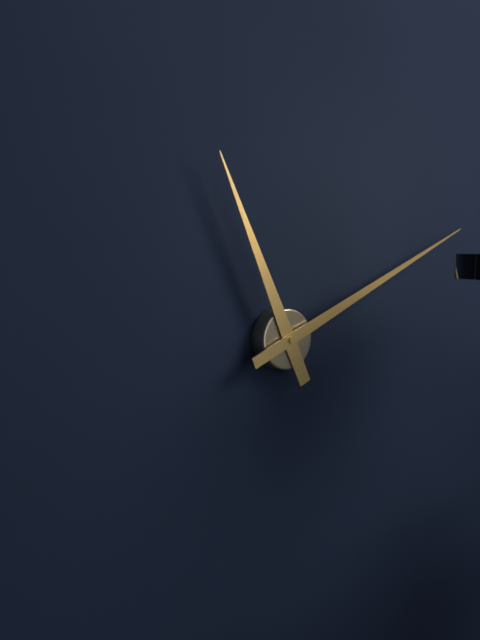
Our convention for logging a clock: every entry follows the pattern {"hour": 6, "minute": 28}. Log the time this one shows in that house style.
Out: {"hour": 11, "minute": 11}
